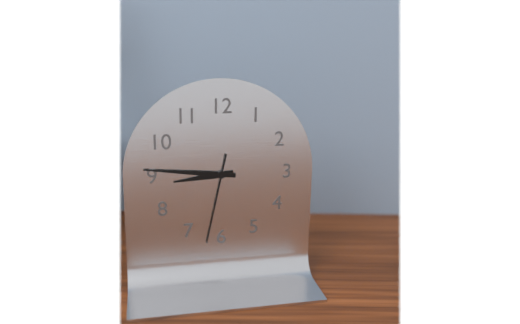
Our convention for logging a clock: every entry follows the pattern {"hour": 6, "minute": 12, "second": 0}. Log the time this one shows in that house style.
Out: {"hour": 8, "minute": 46, "second": 32}
